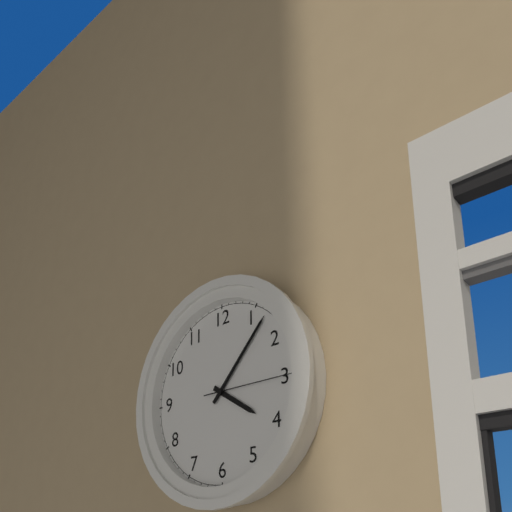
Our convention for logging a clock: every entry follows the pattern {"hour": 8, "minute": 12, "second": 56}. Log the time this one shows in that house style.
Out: {"hour": 4, "minute": 7, "second": 15}
